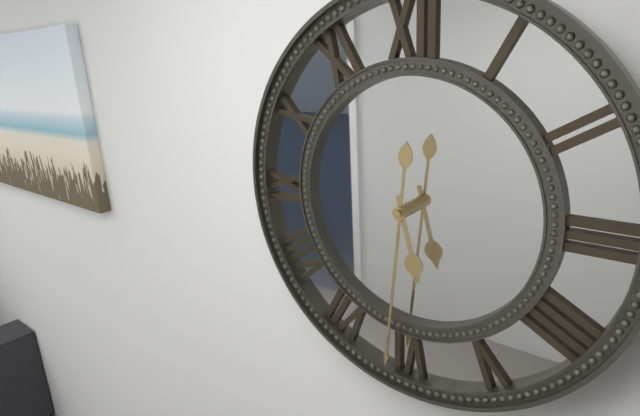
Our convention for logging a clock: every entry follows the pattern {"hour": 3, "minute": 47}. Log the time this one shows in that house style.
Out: {"hour": 5, "minute": 31}
